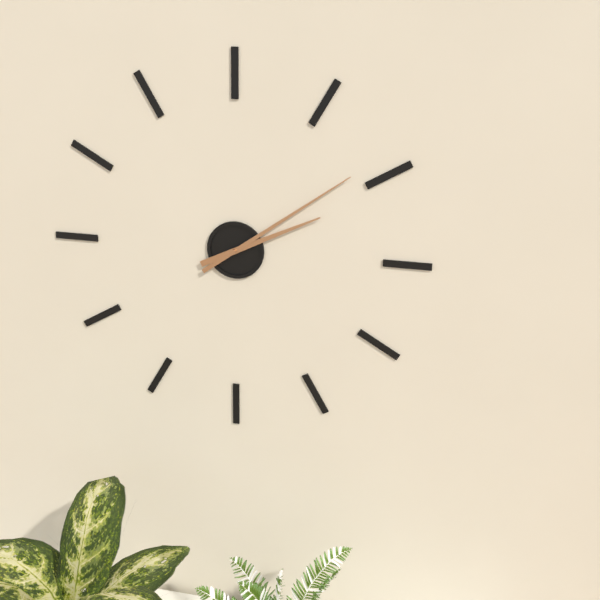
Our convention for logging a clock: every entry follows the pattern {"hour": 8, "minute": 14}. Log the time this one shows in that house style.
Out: {"hour": 2, "minute": 9}
